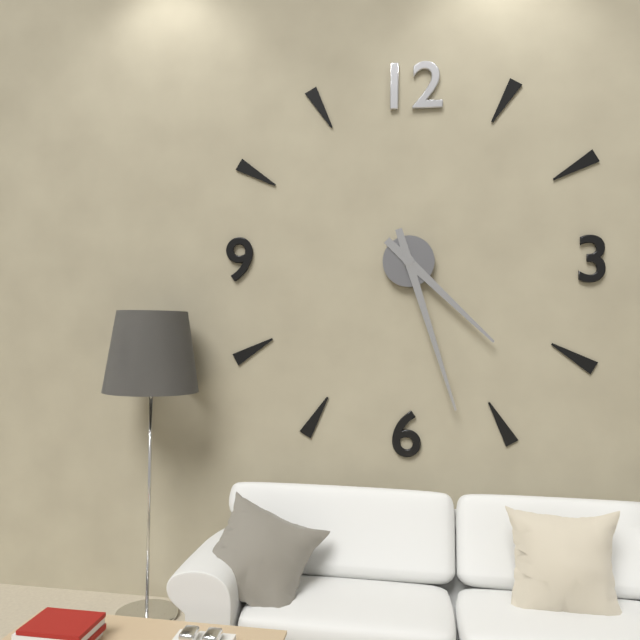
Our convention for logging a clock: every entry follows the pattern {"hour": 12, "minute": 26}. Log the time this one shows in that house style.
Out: {"hour": 4, "minute": 27}
